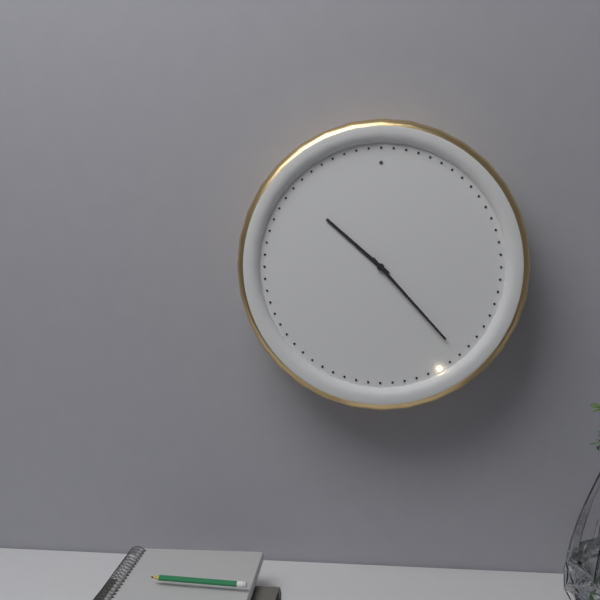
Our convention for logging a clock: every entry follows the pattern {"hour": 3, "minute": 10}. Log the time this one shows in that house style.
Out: {"hour": 10, "minute": 23}
